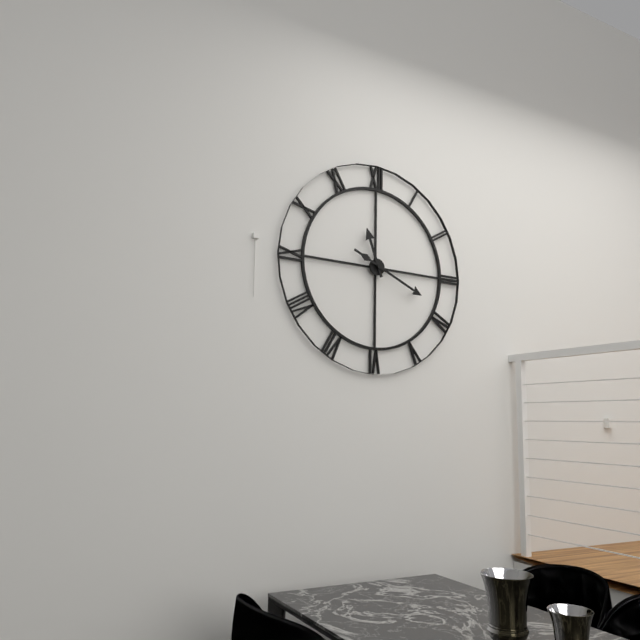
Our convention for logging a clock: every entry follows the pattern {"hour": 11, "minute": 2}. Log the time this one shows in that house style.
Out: {"hour": 11, "minute": 19}
